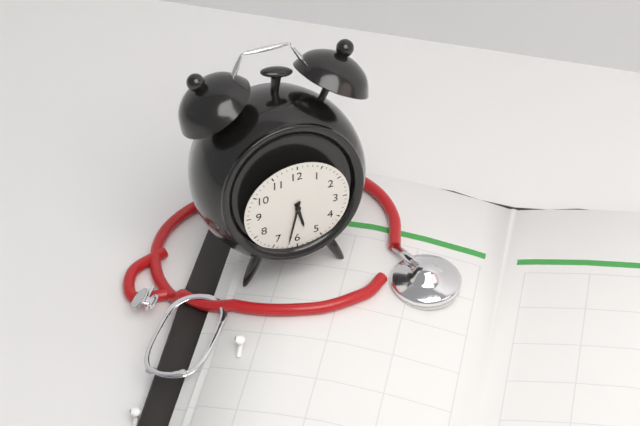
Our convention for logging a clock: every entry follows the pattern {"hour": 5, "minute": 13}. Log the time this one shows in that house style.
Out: {"hour": 5, "minute": 32}
